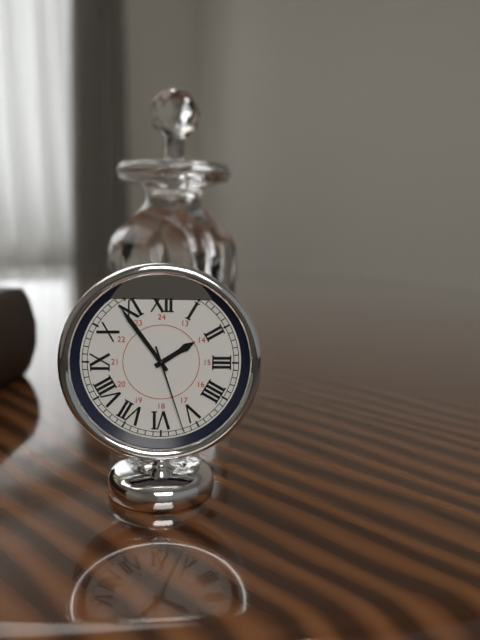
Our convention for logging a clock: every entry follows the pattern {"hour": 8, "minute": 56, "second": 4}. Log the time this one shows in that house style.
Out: {"hour": 1, "minute": 54, "second": 27}
